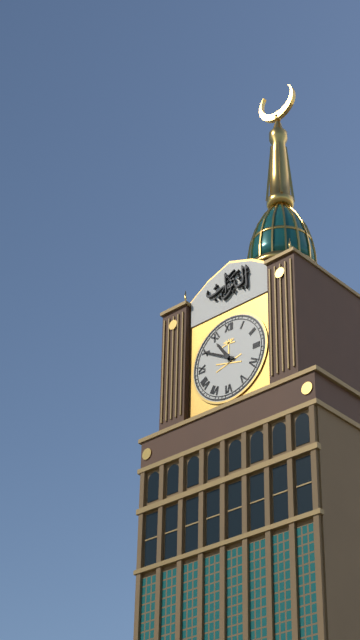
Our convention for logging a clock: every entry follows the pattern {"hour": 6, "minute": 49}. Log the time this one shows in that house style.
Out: {"hour": 10, "minute": 50}
